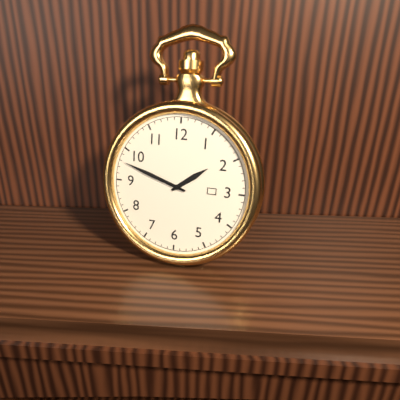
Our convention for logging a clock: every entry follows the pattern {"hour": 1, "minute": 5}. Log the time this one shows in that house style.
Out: {"hour": 1, "minute": 48}
